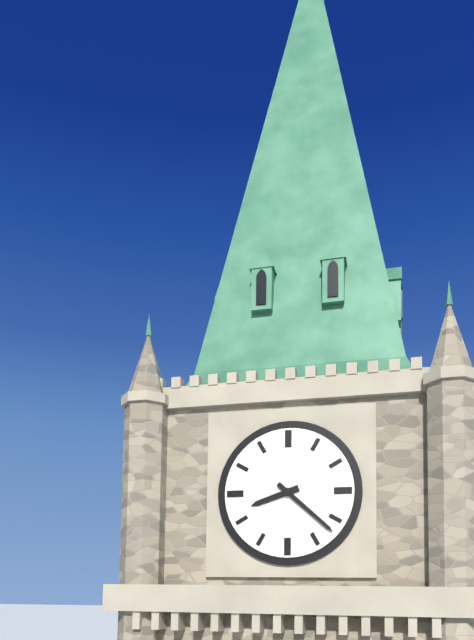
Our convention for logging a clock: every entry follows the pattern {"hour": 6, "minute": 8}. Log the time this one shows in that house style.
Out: {"hour": 8, "minute": 22}
